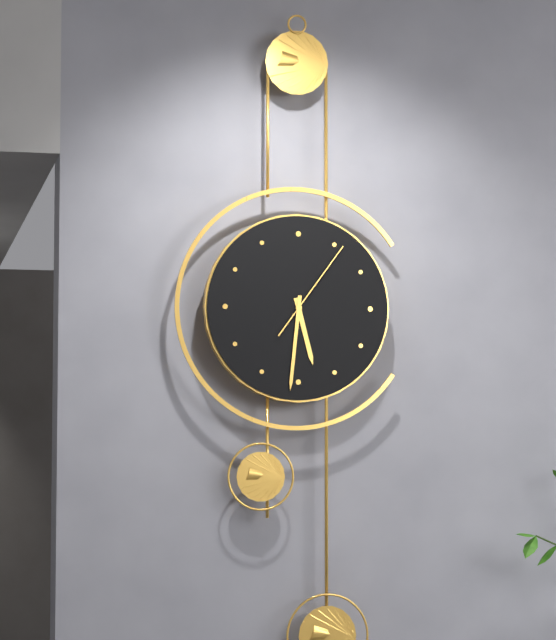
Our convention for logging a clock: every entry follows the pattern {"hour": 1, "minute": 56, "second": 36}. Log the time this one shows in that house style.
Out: {"hour": 5, "minute": 31, "second": 6}
